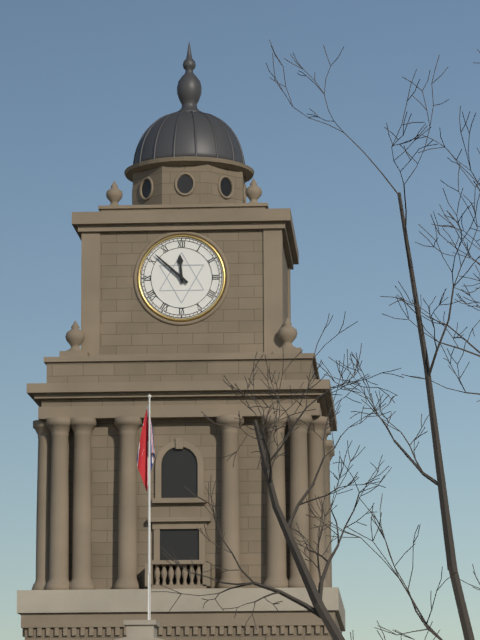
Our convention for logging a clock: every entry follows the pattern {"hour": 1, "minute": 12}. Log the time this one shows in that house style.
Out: {"hour": 11, "minute": 52}
